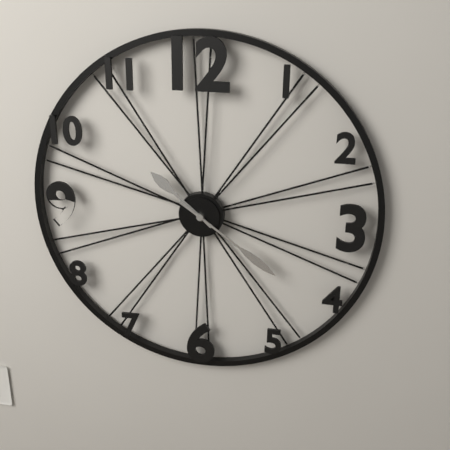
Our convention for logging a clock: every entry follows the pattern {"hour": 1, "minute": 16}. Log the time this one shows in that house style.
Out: {"hour": 10, "minute": 21}
